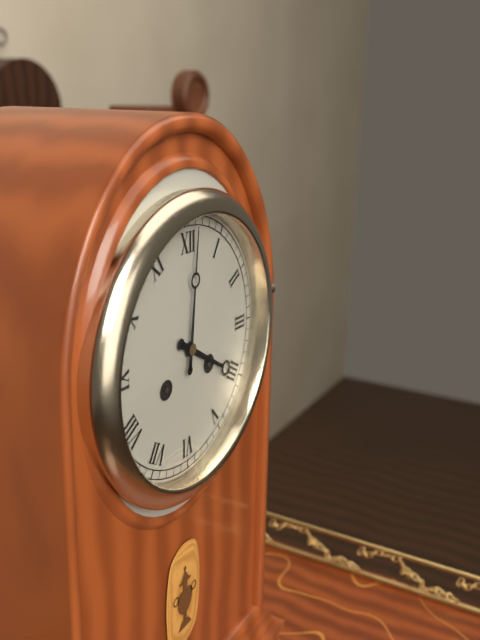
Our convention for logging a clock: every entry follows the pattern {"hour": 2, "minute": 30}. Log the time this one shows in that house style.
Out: {"hour": 4, "minute": 1}
